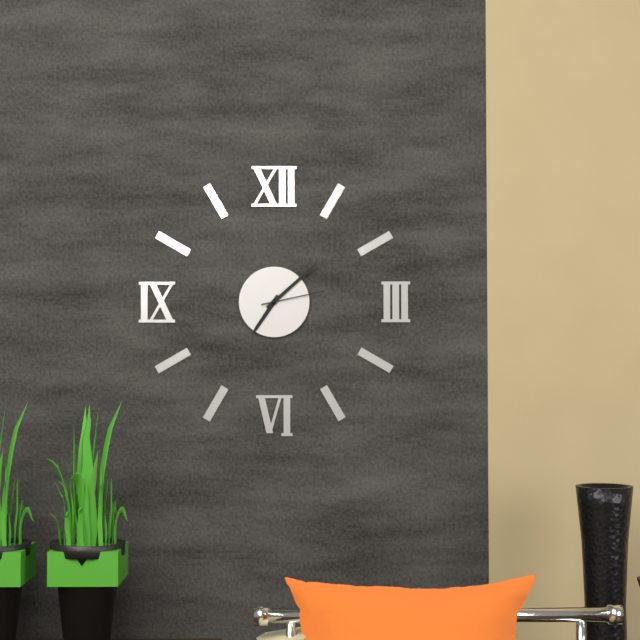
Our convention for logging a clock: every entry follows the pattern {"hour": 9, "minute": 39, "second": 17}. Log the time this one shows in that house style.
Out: {"hour": 7, "minute": 8, "second": 13}
